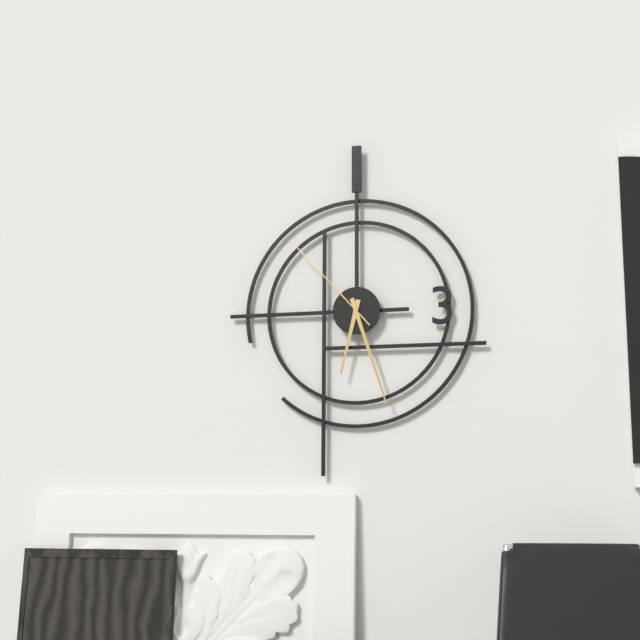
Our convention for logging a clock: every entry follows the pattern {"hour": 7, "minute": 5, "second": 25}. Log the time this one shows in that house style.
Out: {"hour": 6, "minute": 27, "second": 53}
